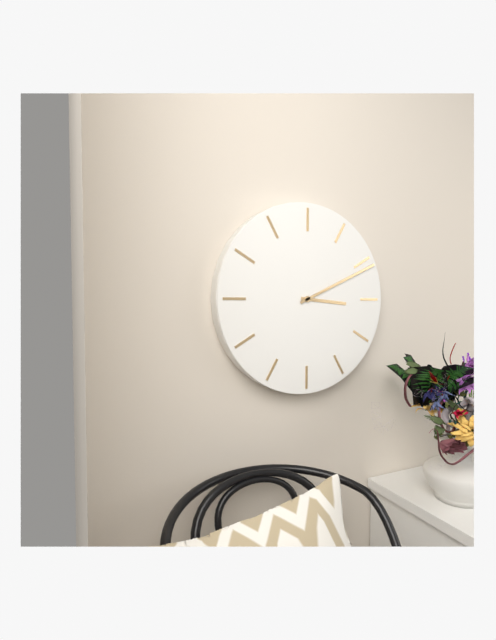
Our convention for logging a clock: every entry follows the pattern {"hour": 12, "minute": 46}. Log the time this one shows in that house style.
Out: {"hour": 3, "minute": 11}
